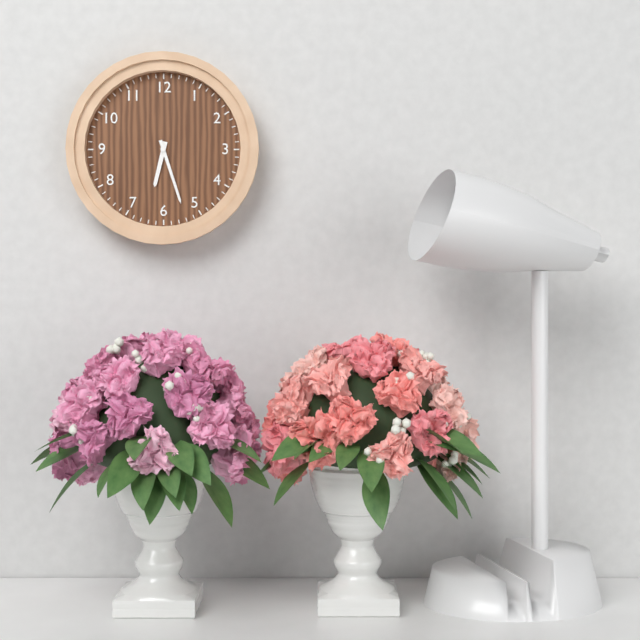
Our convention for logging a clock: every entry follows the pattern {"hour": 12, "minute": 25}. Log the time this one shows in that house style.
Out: {"hour": 6, "minute": 27}
